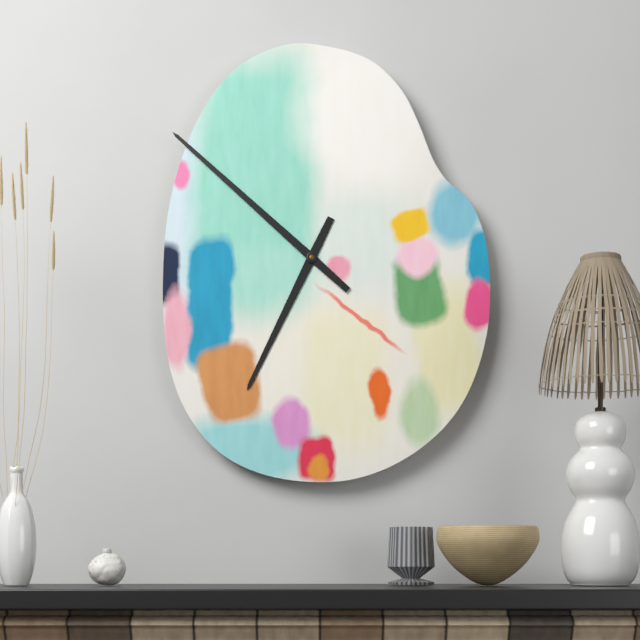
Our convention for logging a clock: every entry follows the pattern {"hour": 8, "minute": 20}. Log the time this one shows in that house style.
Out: {"hour": 6, "minute": 52}
